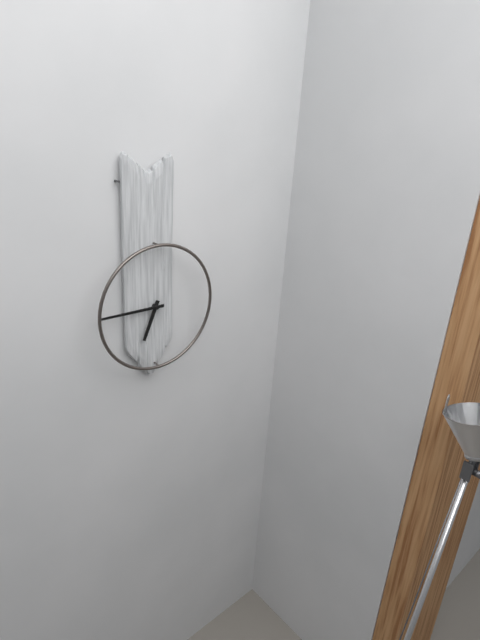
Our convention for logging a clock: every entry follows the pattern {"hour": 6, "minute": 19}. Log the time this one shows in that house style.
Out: {"hour": 6, "minute": 45}
